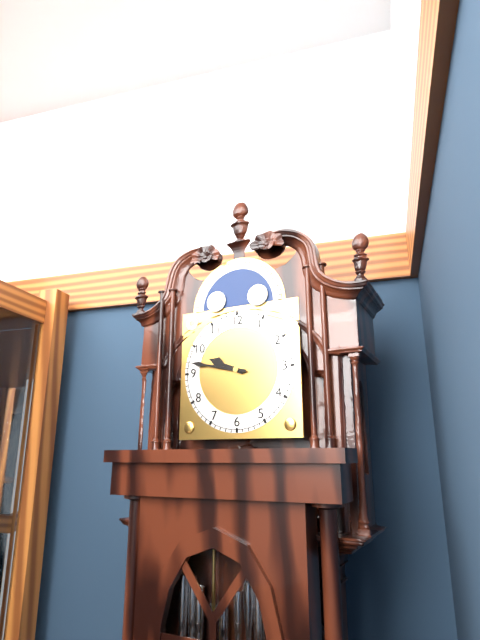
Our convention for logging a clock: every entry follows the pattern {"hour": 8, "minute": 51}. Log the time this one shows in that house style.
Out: {"hour": 9, "minute": 47}
